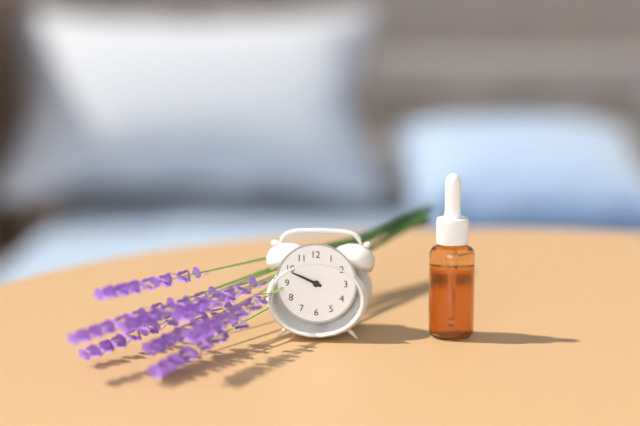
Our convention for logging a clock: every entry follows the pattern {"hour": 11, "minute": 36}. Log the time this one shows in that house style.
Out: {"hour": 9, "minute": 49}
